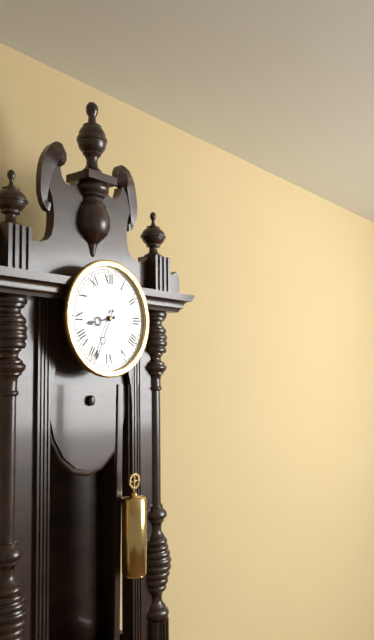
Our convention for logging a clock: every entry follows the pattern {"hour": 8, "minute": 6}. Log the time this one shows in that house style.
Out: {"hour": 8, "minute": 34}
